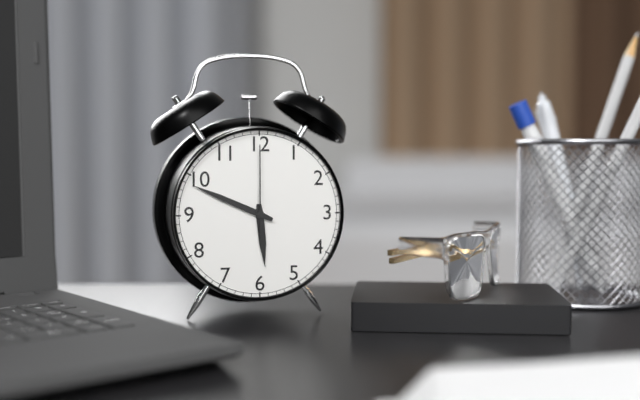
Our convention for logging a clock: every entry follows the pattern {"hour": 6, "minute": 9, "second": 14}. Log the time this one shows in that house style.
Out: {"hour": 5, "minute": 49, "second": 0}
